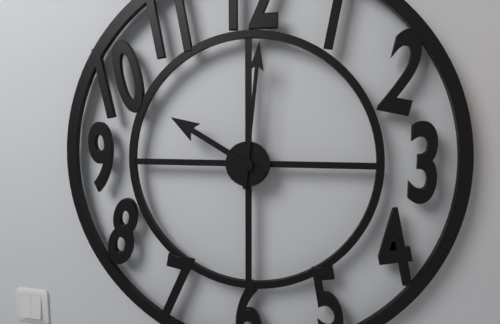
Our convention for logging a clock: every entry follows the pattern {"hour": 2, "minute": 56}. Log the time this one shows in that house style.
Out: {"hour": 10, "minute": 1}
